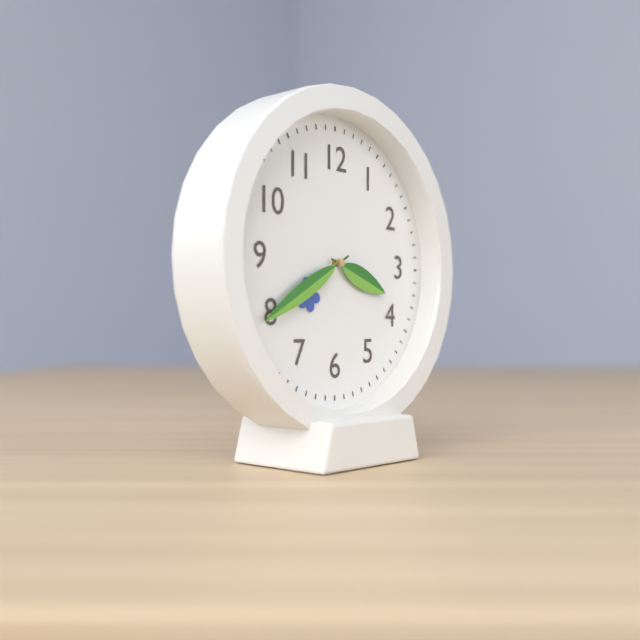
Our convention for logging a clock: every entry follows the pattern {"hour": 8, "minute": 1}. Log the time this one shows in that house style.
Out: {"hour": 3, "minute": 40}
